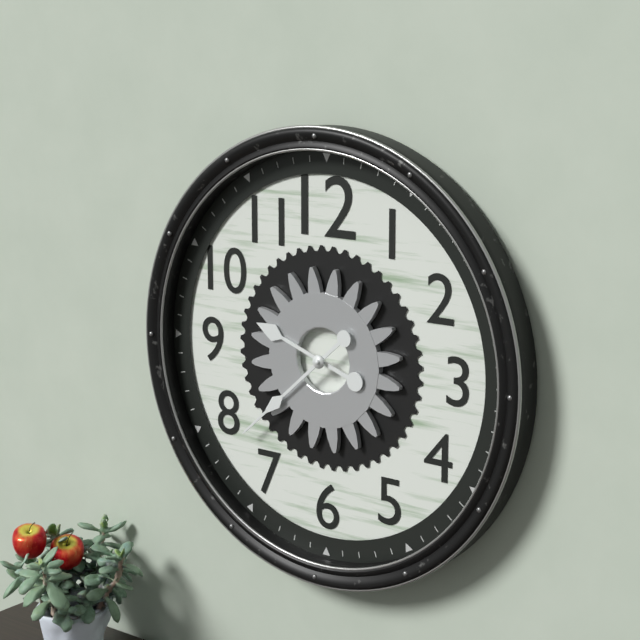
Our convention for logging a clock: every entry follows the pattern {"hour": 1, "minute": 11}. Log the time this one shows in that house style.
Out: {"hour": 9, "minute": 38}
